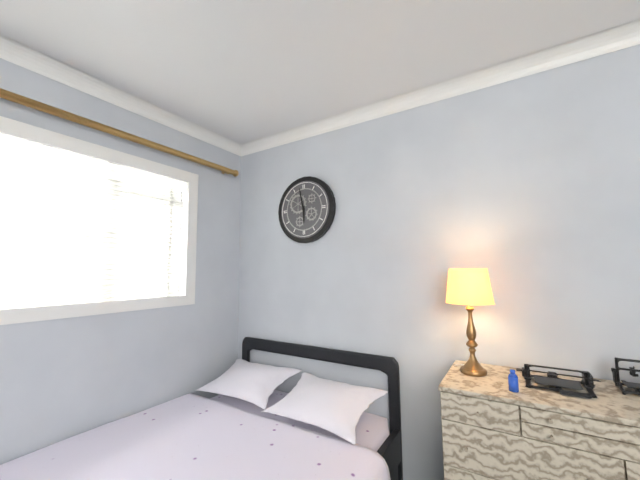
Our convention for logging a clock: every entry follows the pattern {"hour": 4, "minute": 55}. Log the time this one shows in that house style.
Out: {"hour": 5, "minute": 58}
